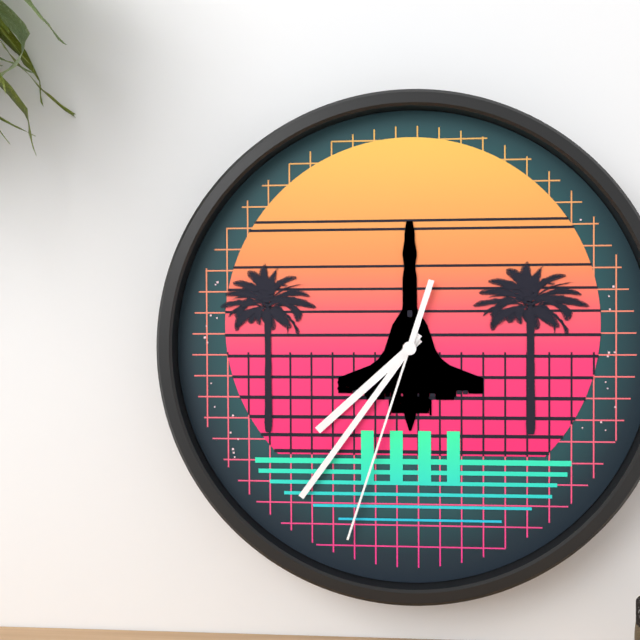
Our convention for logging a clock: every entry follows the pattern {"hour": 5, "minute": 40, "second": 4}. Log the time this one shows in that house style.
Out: {"hour": 7, "minute": 36, "second": 33}
